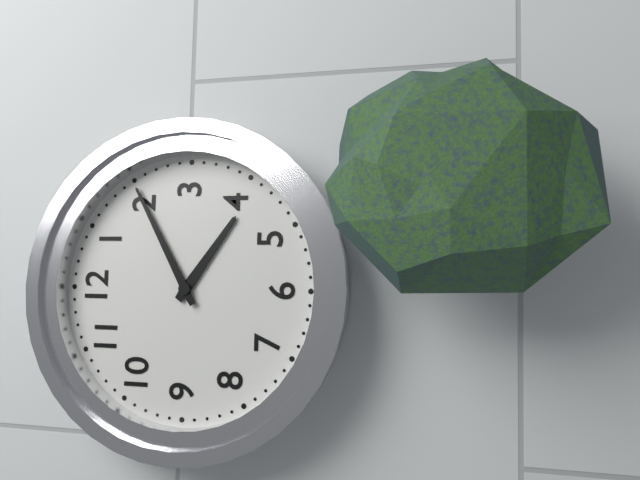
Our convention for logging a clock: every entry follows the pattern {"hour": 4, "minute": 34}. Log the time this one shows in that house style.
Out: {"hour": 4, "minute": 10}
